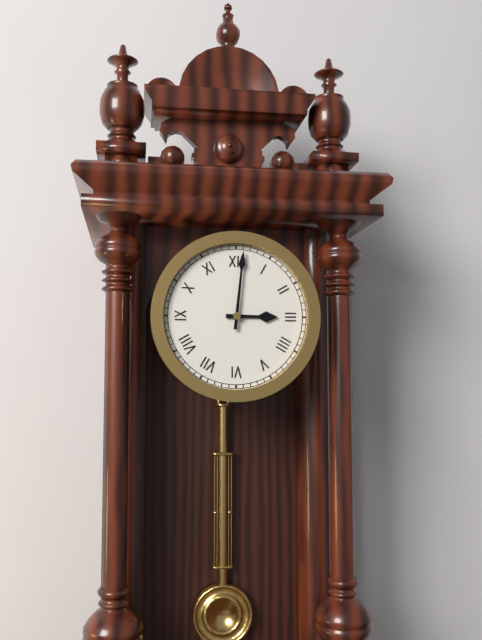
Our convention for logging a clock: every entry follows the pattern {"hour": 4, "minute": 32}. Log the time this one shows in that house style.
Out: {"hour": 3, "minute": 1}
